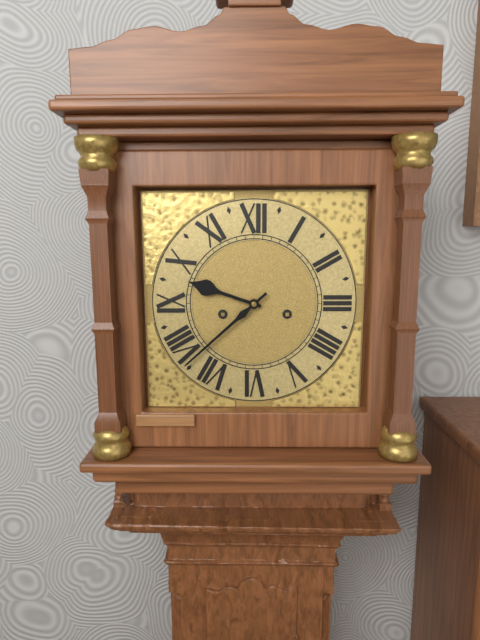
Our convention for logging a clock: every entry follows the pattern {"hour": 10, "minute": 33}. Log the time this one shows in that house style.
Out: {"hour": 9, "minute": 38}
